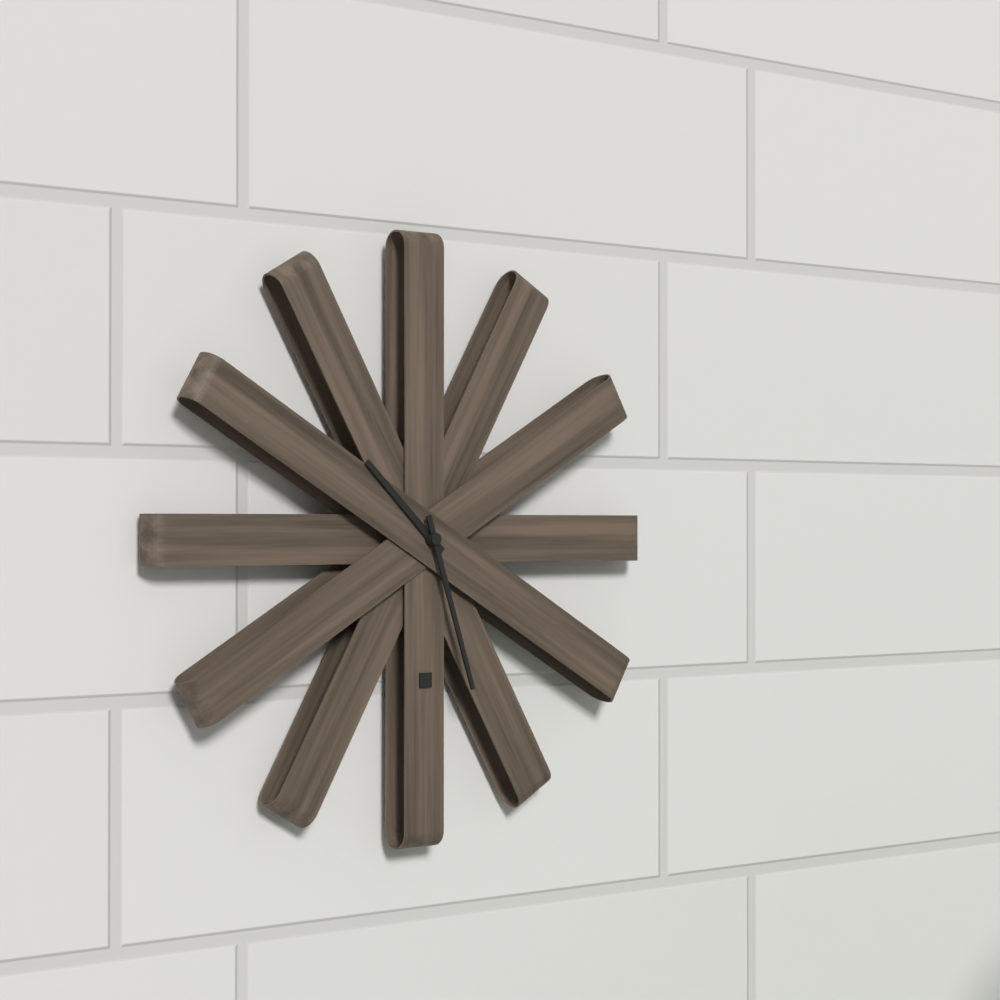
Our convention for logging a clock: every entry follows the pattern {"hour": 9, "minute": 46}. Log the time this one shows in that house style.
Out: {"hour": 10, "minute": 27}
